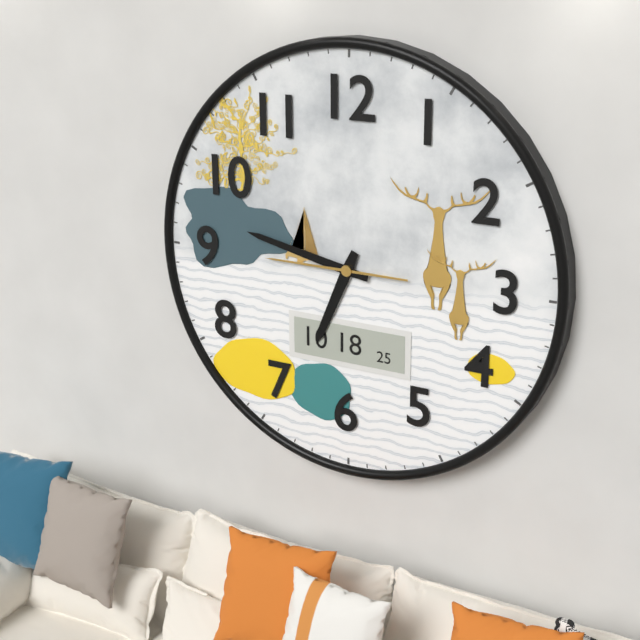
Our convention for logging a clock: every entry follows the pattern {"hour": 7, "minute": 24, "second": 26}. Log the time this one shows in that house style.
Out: {"hour": 6, "minute": 47, "second": 45}
